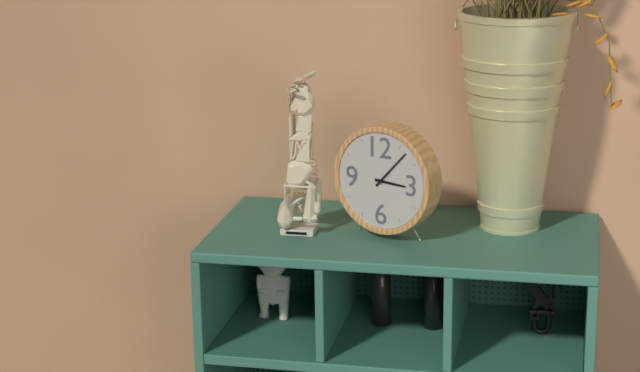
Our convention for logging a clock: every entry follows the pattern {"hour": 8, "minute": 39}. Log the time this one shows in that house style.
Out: {"hour": 3, "minute": 7}
